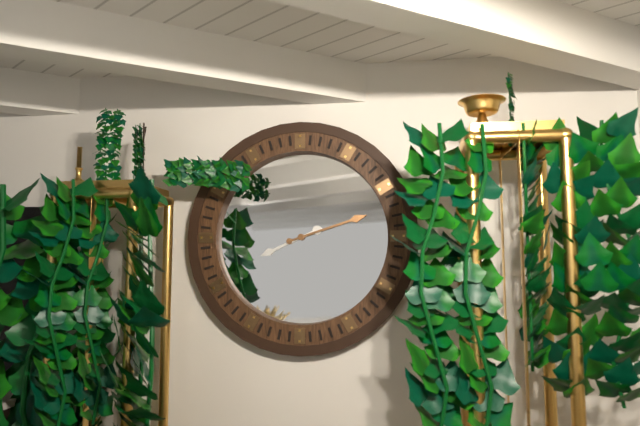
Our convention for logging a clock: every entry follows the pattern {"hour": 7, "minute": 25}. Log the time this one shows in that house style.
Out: {"hour": 8, "minute": 12}
